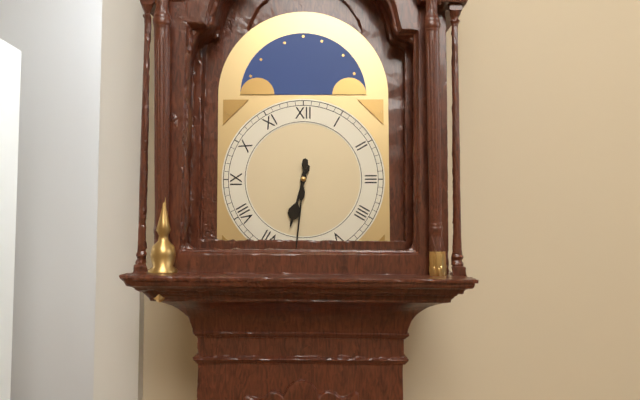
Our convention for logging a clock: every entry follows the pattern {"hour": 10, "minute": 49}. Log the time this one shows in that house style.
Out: {"hour": 6, "minute": 31}
